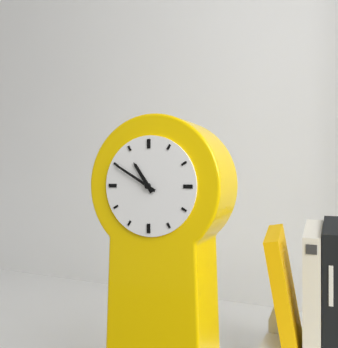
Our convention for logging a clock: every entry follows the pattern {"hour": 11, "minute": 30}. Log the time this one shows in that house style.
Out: {"hour": 10, "minute": 50}
